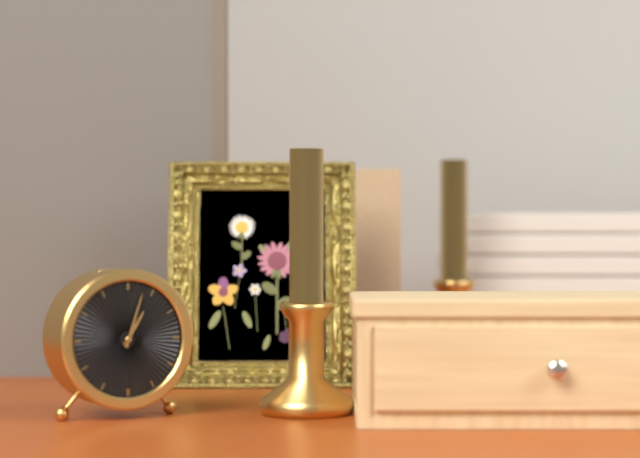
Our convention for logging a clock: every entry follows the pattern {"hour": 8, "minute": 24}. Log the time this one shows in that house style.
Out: {"hour": 1, "minute": 3}
